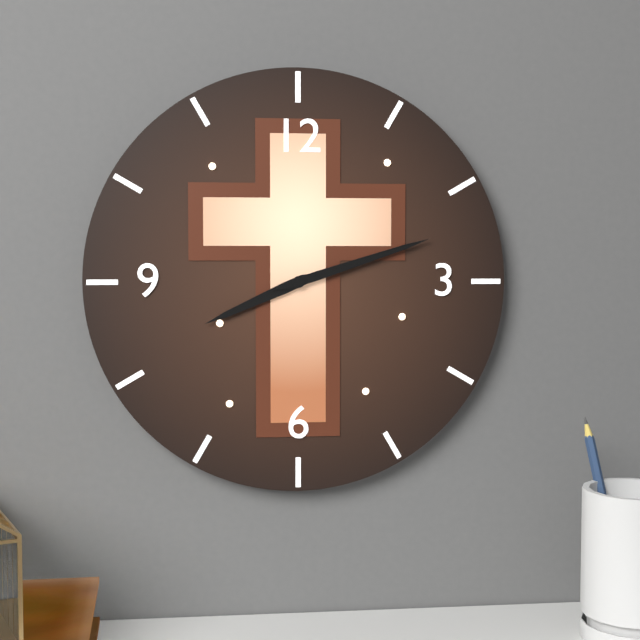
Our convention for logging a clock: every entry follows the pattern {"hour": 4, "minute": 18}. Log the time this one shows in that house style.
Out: {"hour": 8, "minute": 12}
